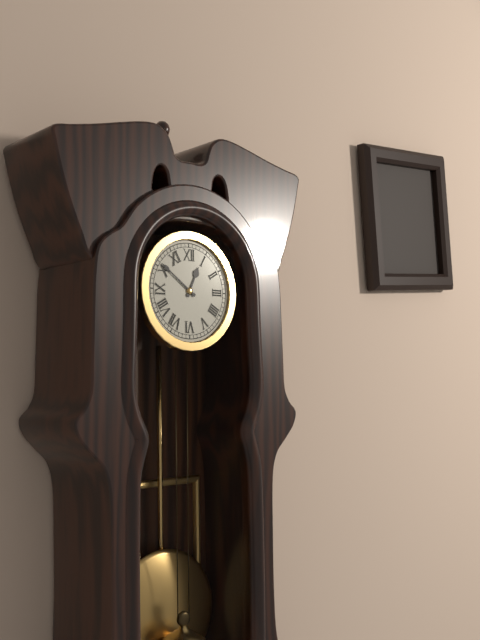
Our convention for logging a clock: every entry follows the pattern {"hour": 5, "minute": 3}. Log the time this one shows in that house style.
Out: {"hour": 12, "minute": 51}
